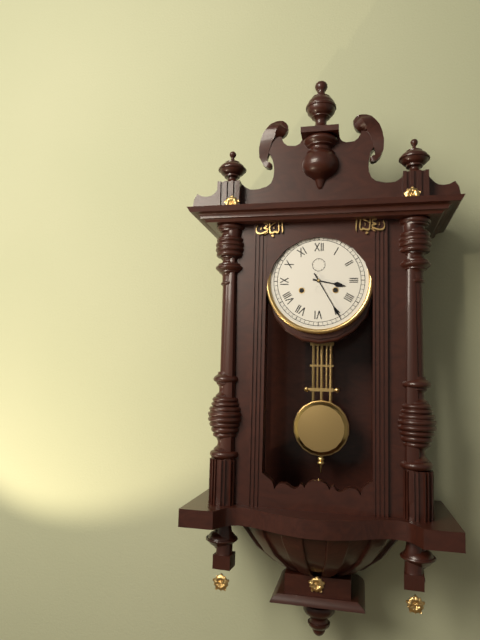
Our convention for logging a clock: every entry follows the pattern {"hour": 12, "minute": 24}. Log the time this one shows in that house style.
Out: {"hour": 3, "minute": 25}
